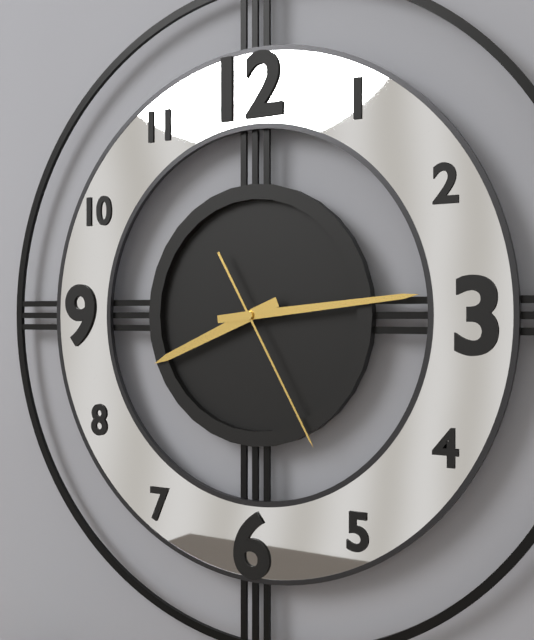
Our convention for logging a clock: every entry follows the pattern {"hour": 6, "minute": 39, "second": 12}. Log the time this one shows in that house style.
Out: {"hour": 8, "minute": 14, "second": 25}
